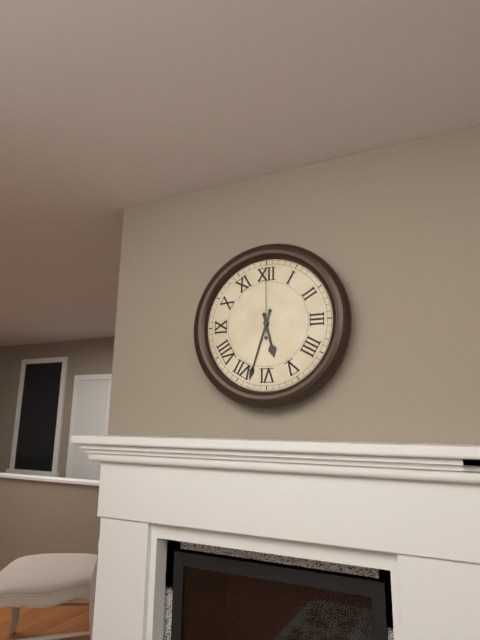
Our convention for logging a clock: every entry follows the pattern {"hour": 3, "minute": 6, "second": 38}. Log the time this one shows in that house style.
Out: {"hour": 5, "minute": 33, "second": 0}
